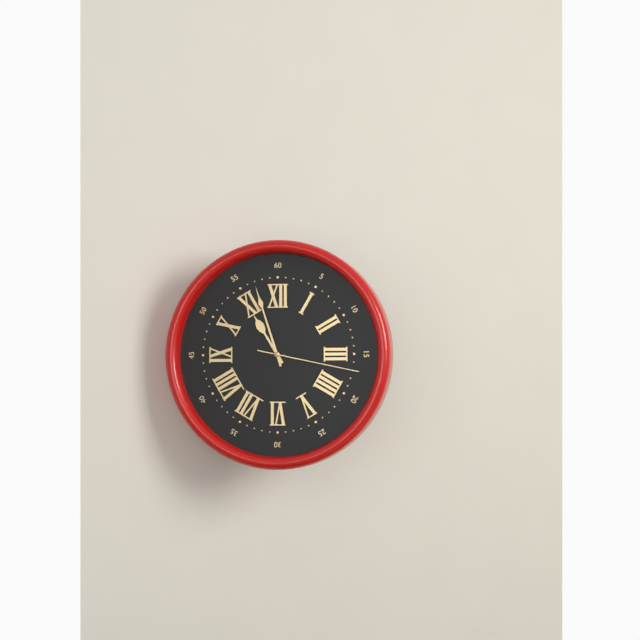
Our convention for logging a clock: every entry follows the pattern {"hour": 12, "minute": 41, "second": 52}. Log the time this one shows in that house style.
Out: {"hour": 10, "minute": 57, "second": 17}
